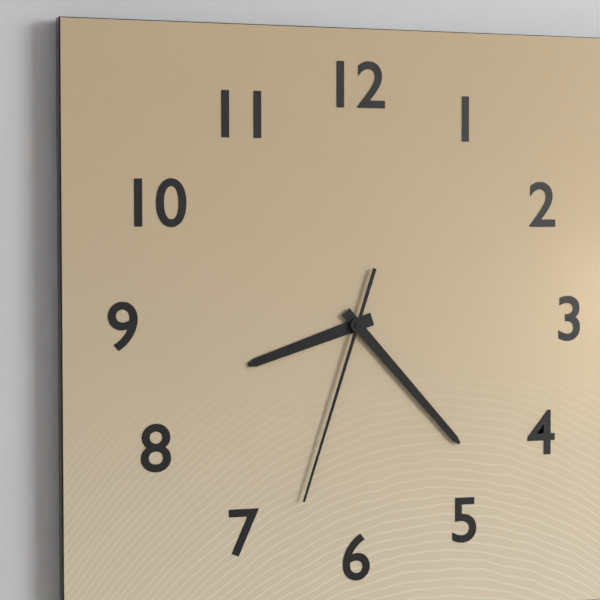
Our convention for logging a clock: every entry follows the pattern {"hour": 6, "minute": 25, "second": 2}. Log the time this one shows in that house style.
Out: {"hour": 8, "minute": 23, "second": 33}
